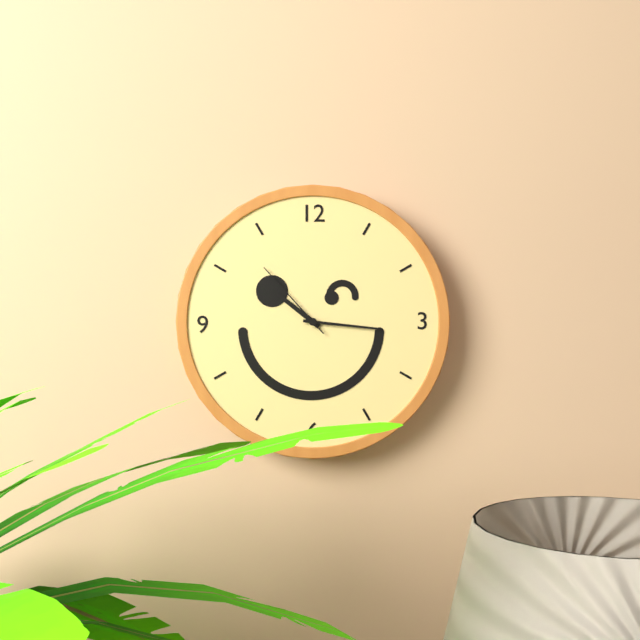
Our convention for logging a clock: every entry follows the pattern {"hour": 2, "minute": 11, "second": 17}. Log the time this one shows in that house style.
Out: {"hour": 10, "minute": 16, "second": 53}
